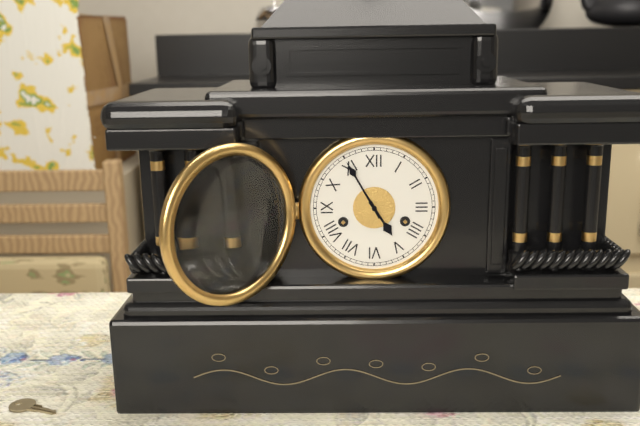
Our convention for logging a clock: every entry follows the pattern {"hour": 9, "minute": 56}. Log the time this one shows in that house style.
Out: {"hour": 4, "minute": 55}
